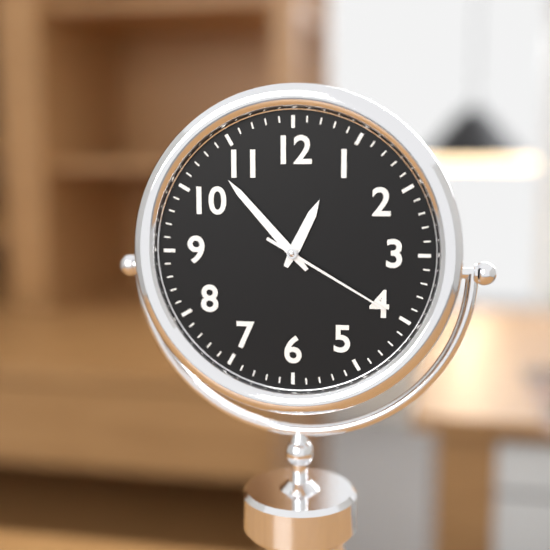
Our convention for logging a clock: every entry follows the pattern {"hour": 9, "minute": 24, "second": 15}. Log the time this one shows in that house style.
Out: {"hour": 12, "minute": 53, "second": 20}
